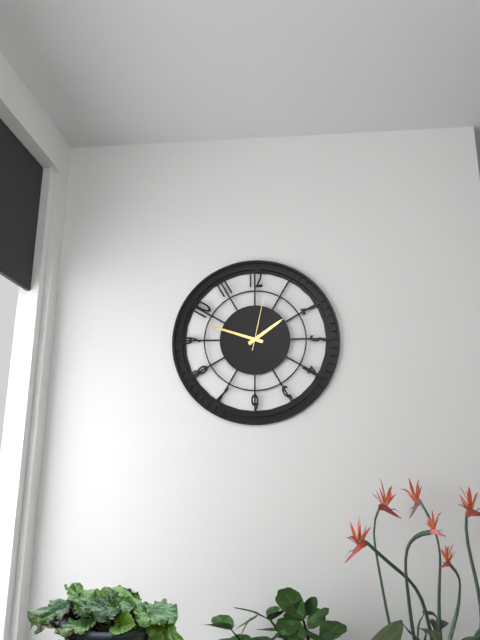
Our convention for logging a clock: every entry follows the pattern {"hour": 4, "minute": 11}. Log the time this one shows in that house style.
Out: {"hour": 1, "minute": 48}
